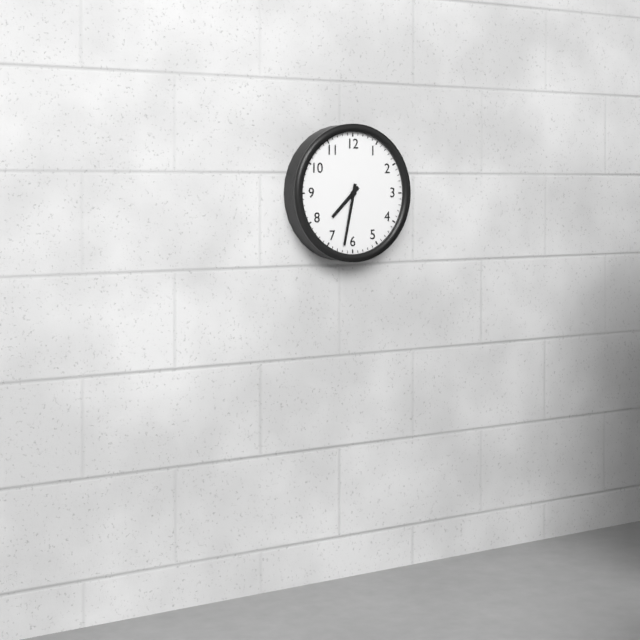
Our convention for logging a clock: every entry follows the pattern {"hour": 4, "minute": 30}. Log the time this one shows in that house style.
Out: {"hour": 7, "minute": 32}
